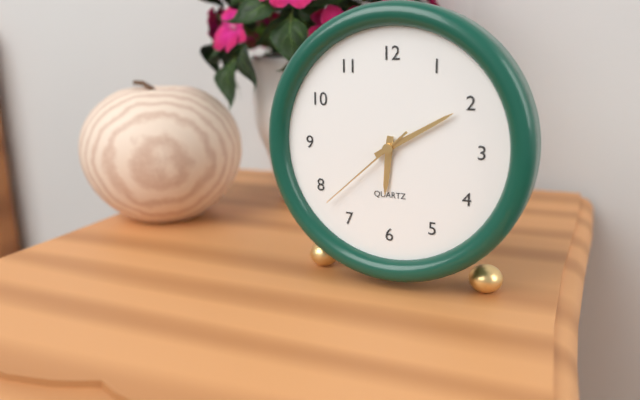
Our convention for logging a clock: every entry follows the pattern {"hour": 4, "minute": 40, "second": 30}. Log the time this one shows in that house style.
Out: {"hour": 6, "minute": 10, "second": 38}
